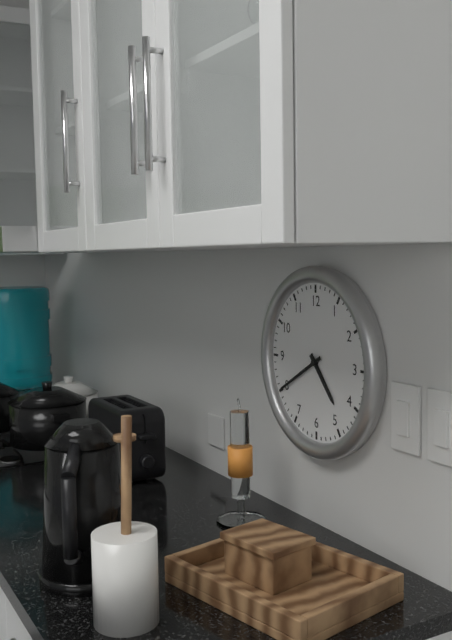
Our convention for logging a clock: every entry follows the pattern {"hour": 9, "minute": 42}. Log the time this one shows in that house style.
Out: {"hour": 4, "minute": 40}
